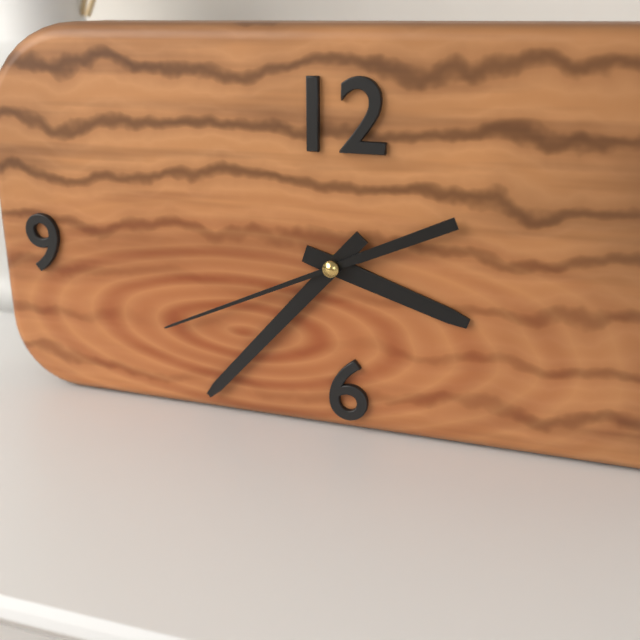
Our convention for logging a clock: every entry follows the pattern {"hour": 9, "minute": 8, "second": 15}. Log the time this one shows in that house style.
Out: {"hour": 3, "minute": 37, "second": 41}
